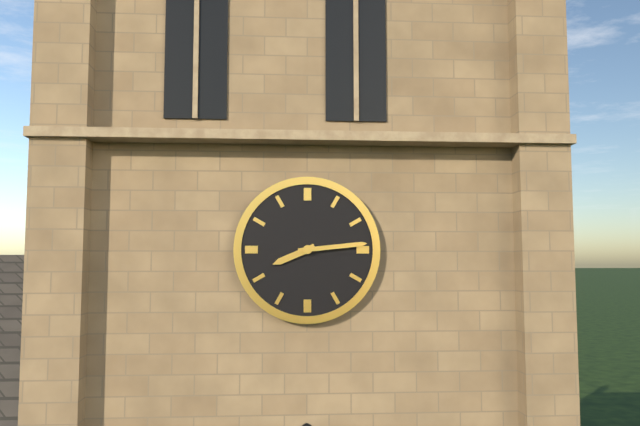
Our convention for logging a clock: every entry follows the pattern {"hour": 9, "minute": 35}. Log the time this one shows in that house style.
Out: {"hour": 8, "minute": 14}
